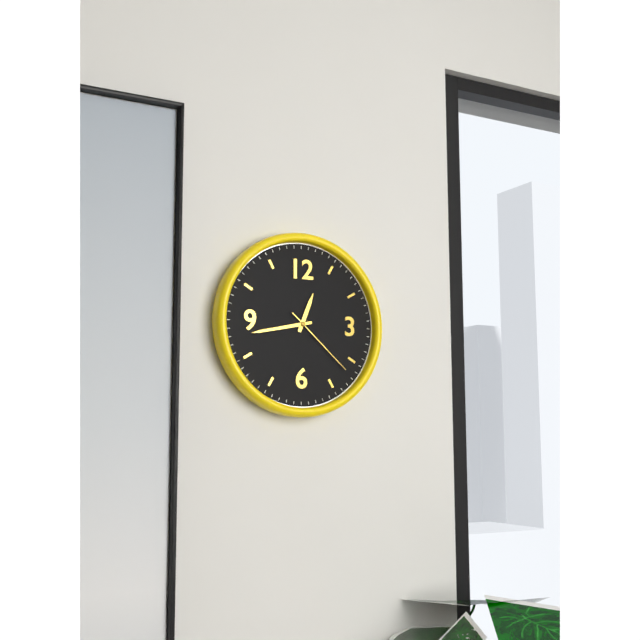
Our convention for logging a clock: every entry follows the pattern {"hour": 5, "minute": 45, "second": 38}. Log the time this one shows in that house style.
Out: {"hour": 12, "minute": 43, "second": 22}
